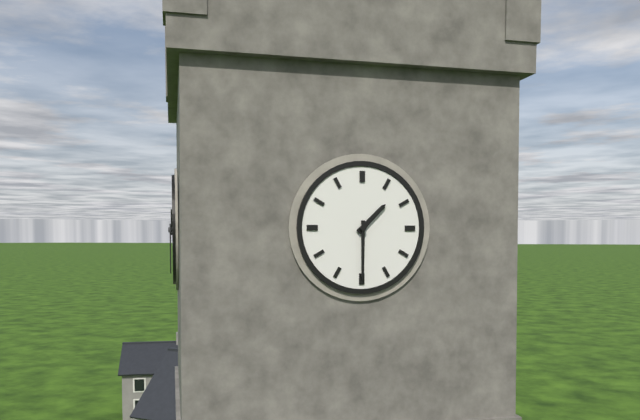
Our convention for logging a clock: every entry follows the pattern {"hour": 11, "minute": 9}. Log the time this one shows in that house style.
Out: {"hour": 1, "minute": 30}
